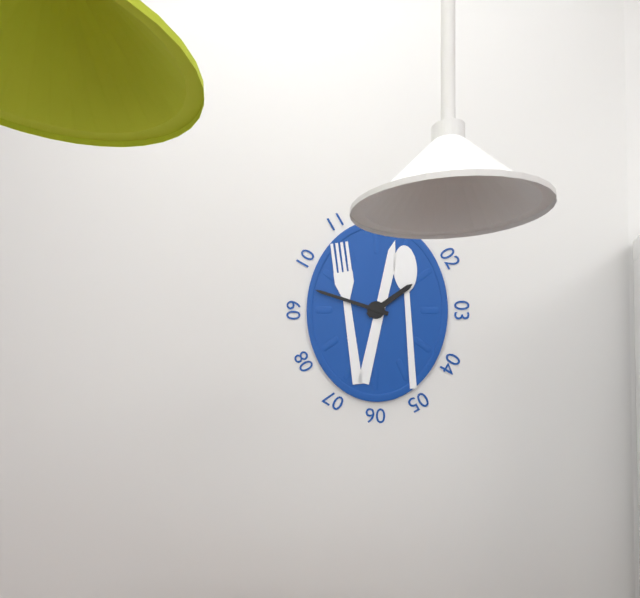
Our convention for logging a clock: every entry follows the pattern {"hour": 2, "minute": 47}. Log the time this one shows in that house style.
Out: {"hour": 1, "minute": 48}
